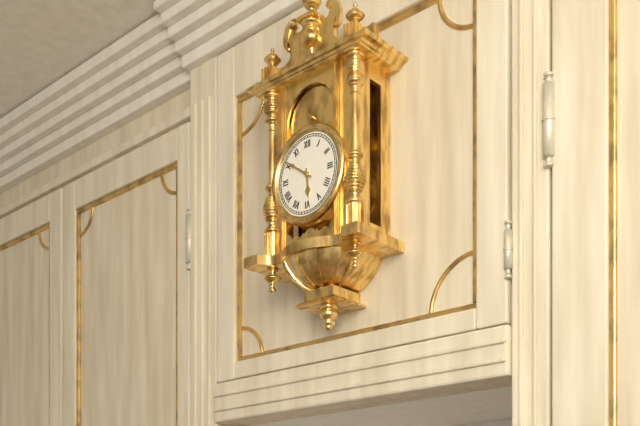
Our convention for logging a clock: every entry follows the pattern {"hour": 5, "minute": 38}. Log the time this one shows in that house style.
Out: {"hour": 5, "minute": 51}
